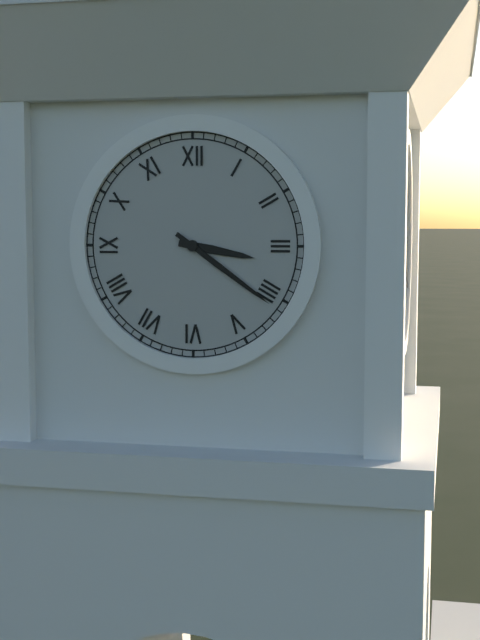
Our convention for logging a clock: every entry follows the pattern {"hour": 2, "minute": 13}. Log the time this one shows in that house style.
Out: {"hour": 3, "minute": 21}
